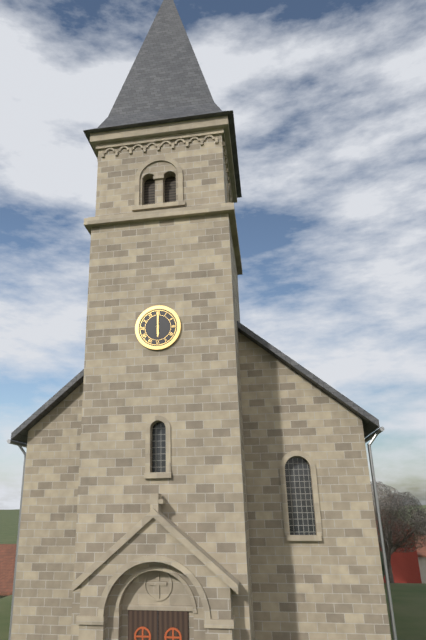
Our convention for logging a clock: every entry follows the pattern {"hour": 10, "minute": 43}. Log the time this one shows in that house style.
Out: {"hour": 6, "minute": 0}
